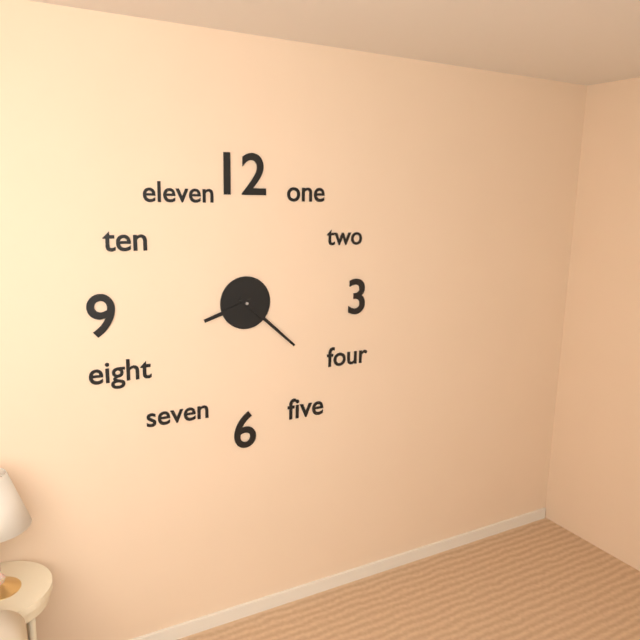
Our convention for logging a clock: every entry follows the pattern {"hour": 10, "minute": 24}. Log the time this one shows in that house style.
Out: {"hour": 8, "minute": 22}
